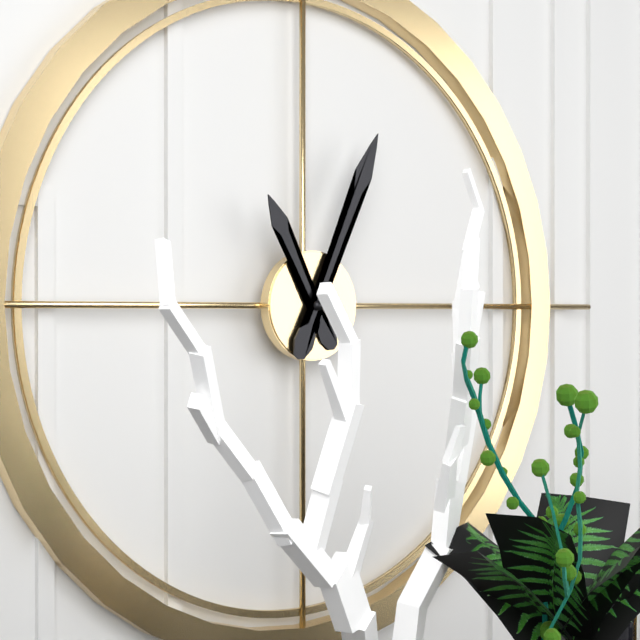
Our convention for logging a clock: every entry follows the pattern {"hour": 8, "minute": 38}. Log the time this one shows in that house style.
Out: {"hour": 11, "minute": 4}
